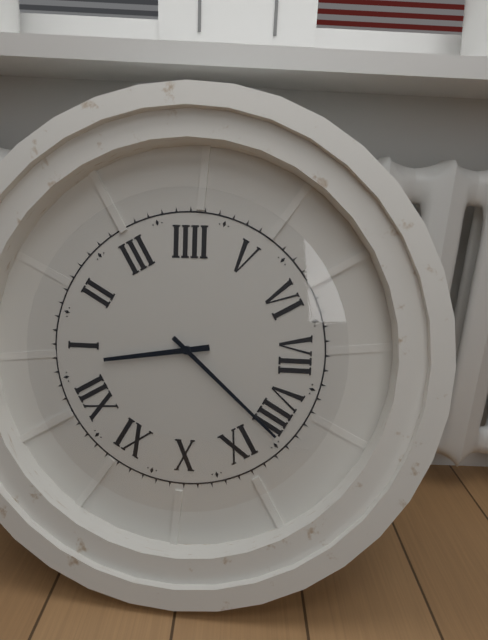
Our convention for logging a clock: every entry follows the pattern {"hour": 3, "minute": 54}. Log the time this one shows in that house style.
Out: {"hour": 12, "minute": 42}
